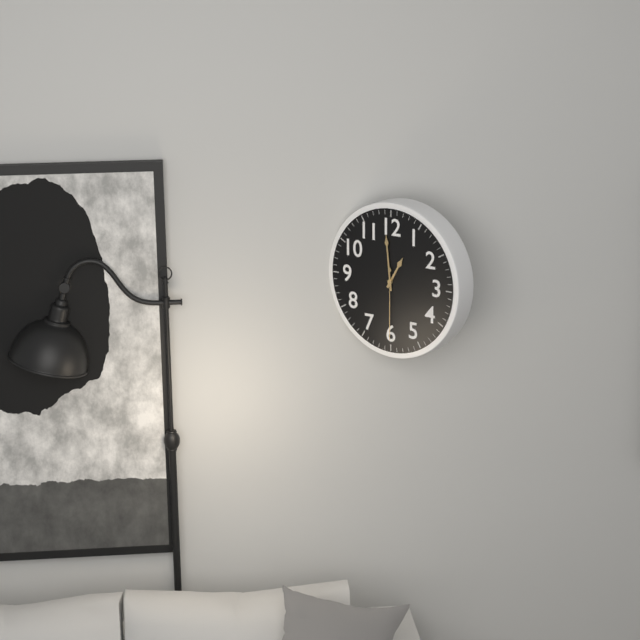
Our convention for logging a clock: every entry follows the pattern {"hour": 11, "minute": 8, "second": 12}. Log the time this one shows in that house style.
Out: {"hour": 12, "minute": 59, "second": 30}
